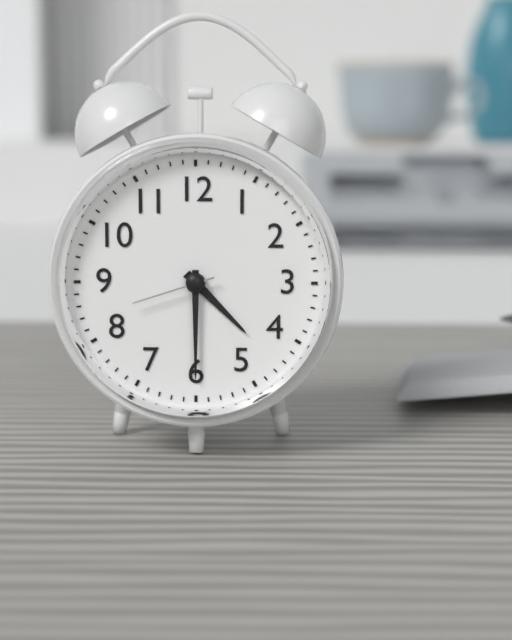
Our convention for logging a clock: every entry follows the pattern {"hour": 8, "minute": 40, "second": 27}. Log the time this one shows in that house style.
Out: {"hour": 4, "minute": 30, "second": 42}
